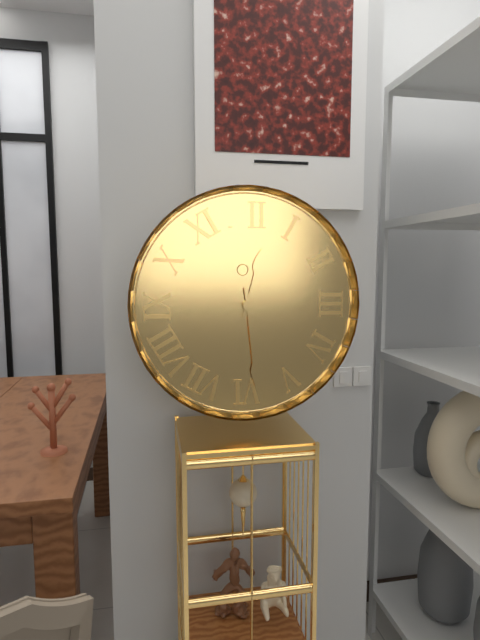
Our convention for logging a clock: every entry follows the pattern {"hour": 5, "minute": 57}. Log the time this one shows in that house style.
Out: {"hour": 12, "minute": 29}
